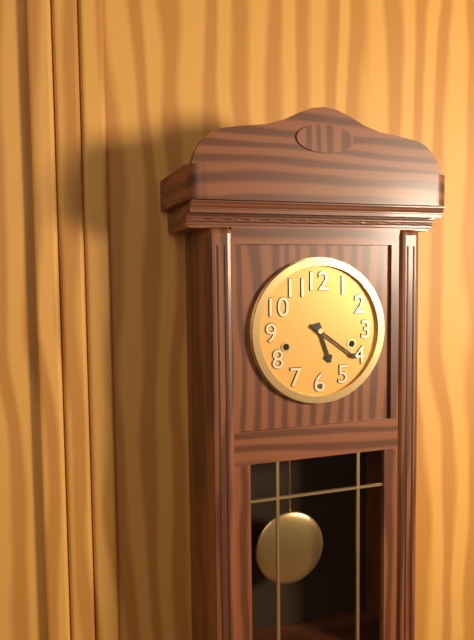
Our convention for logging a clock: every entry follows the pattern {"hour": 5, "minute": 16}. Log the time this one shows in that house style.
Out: {"hour": 5, "minute": 21}
